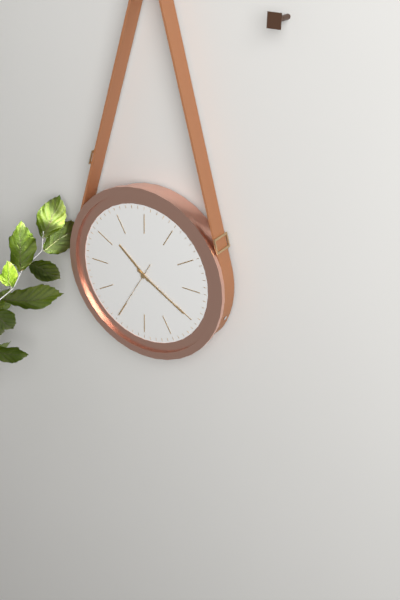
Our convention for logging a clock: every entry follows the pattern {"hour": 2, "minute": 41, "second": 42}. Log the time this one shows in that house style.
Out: {"hour": 10, "minute": 20, "second": 35}
